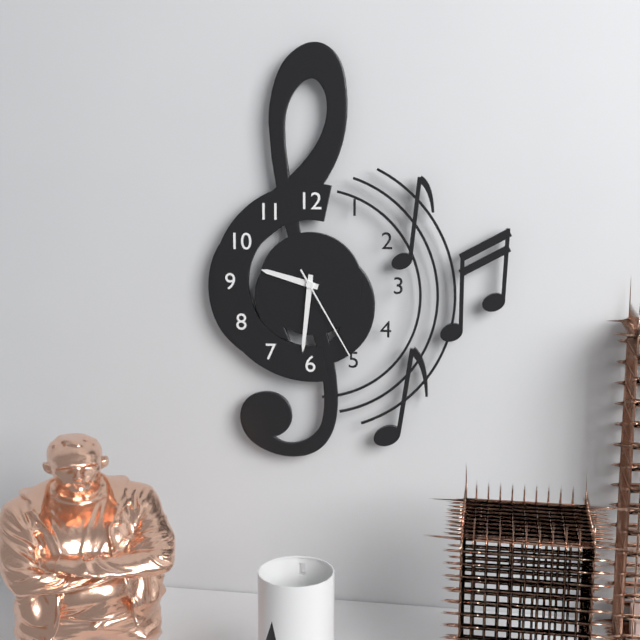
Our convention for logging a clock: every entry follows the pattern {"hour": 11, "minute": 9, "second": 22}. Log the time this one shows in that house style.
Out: {"hour": 9, "minute": 31, "second": 25}
